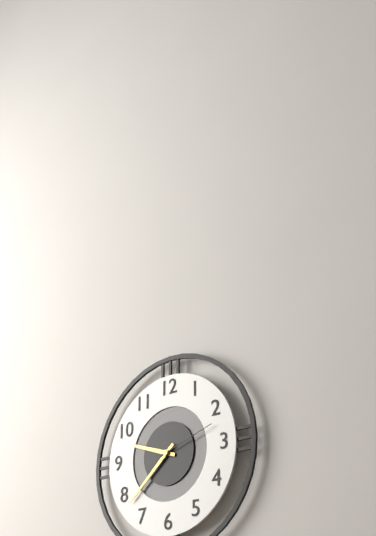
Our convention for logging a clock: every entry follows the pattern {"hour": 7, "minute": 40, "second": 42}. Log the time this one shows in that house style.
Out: {"hour": 9, "minute": 38, "second": 12}
